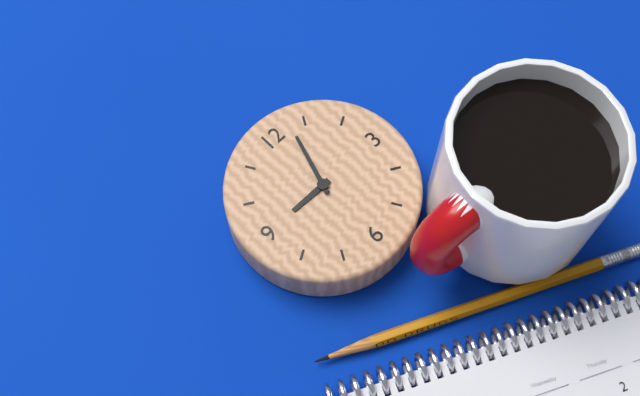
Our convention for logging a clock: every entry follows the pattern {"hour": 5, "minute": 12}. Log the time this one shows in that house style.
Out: {"hour": 9, "minute": 3}
